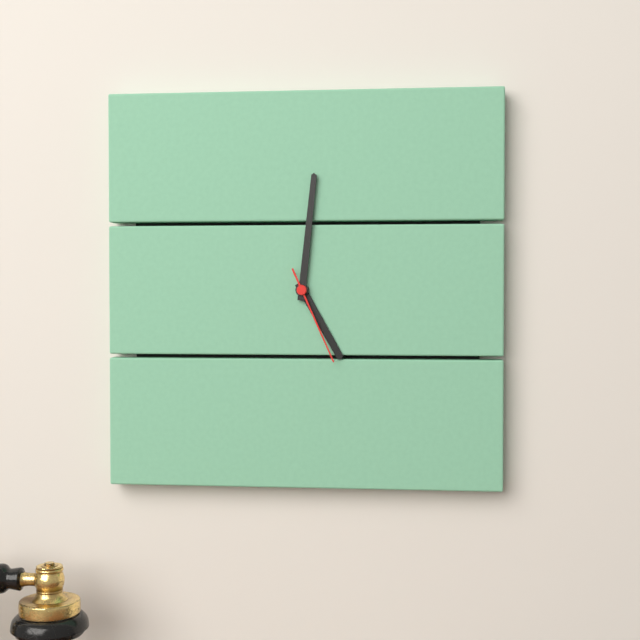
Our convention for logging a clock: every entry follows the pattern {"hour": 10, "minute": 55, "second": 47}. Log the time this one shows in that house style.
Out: {"hour": 5, "minute": 1, "second": 26}
